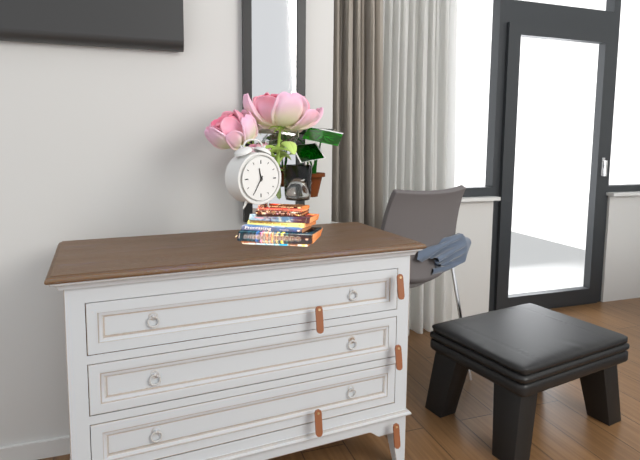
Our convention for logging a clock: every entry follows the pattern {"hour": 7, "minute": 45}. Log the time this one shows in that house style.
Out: {"hour": 11, "minute": 35}
